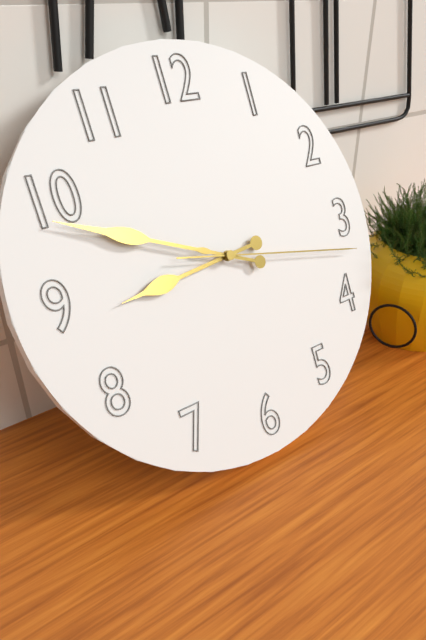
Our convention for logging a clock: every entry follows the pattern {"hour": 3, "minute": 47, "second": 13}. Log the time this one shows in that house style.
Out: {"hour": 8, "minute": 49, "second": 17}
